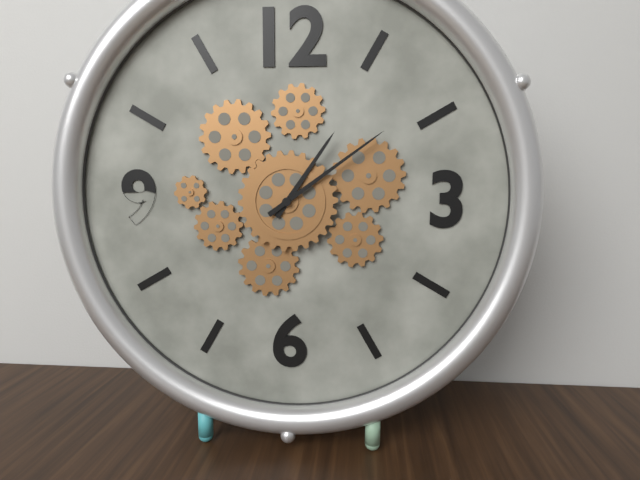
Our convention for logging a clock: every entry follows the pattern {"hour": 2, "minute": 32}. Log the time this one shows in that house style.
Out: {"hour": 1, "minute": 9}
